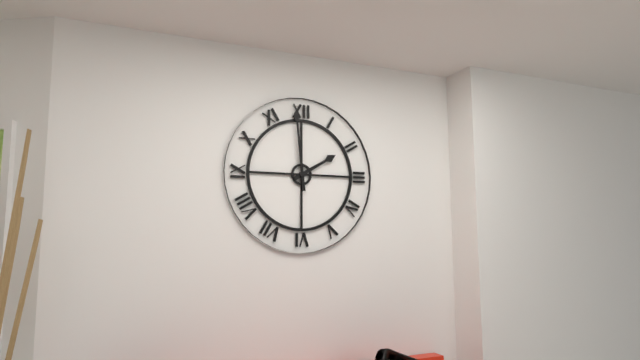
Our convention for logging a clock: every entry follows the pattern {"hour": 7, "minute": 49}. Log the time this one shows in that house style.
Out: {"hour": 1, "minute": 59}
